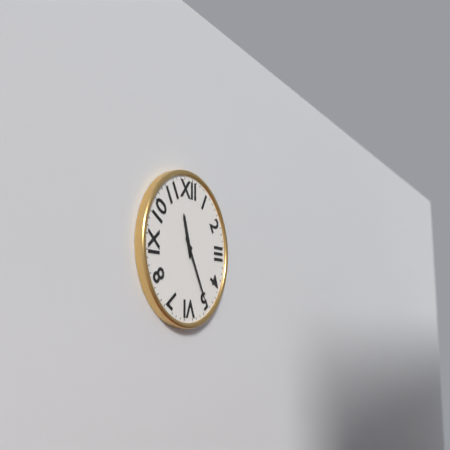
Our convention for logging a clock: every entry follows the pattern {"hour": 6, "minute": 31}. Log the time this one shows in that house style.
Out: {"hour": 11, "minute": 25}
